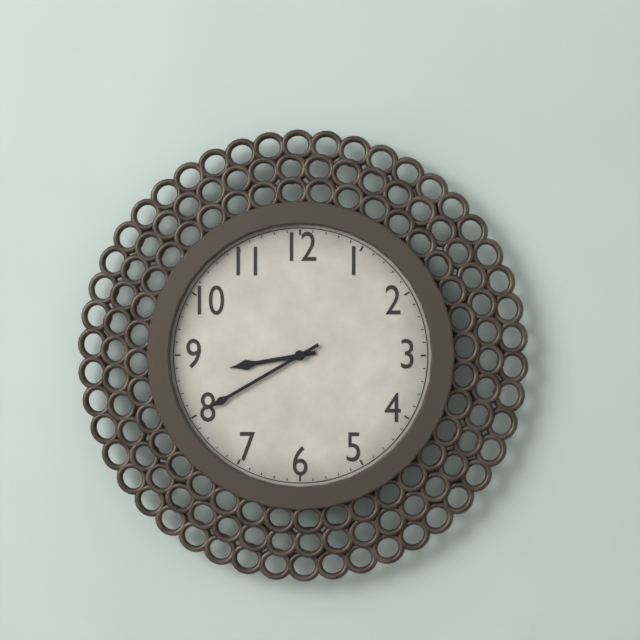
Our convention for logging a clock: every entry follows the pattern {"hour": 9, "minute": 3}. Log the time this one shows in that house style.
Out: {"hour": 8, "minute": 40}
